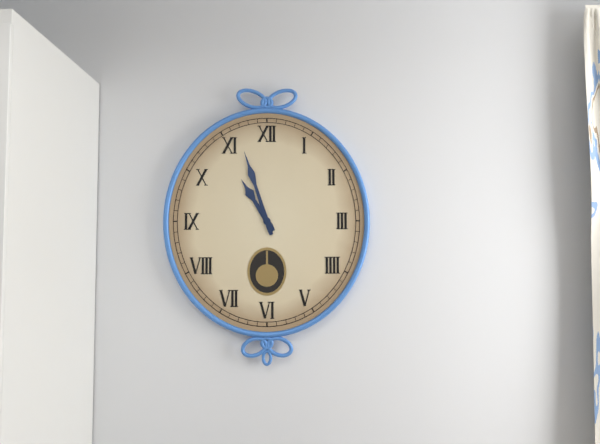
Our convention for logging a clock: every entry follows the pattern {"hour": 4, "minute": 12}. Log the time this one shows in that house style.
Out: {"hour": 10, "minute": 57}
